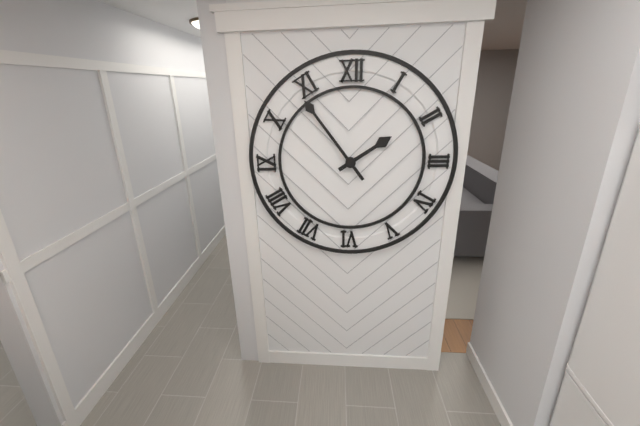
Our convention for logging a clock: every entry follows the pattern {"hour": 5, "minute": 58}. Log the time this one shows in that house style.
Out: {"hour": 1, "minute": 54}
